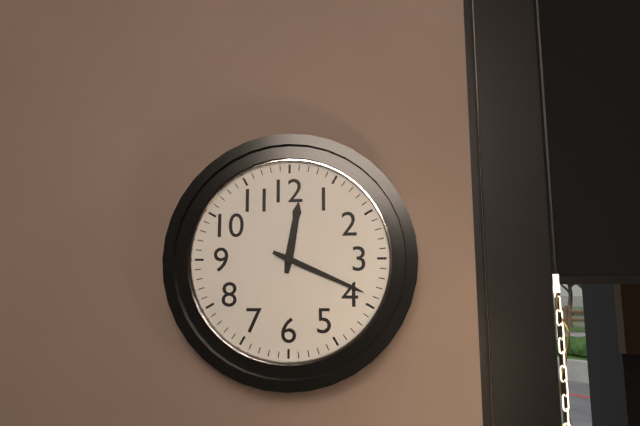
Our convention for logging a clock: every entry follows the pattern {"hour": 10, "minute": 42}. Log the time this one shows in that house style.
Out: {"hour": 12, "minute": 19}
